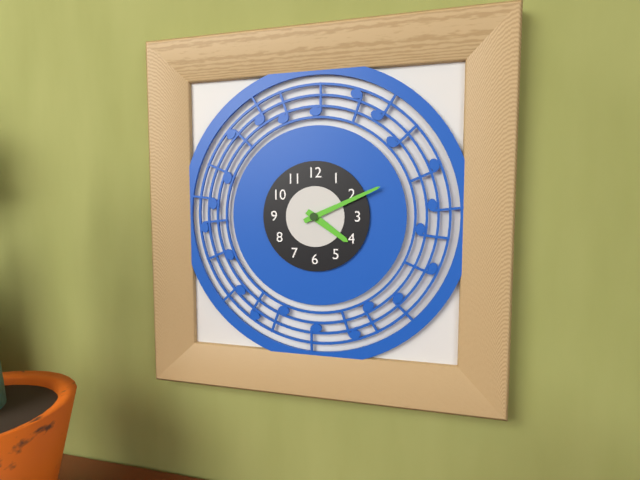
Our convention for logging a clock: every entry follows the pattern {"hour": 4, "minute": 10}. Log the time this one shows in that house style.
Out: {"hour": 4, "minute": 11}
